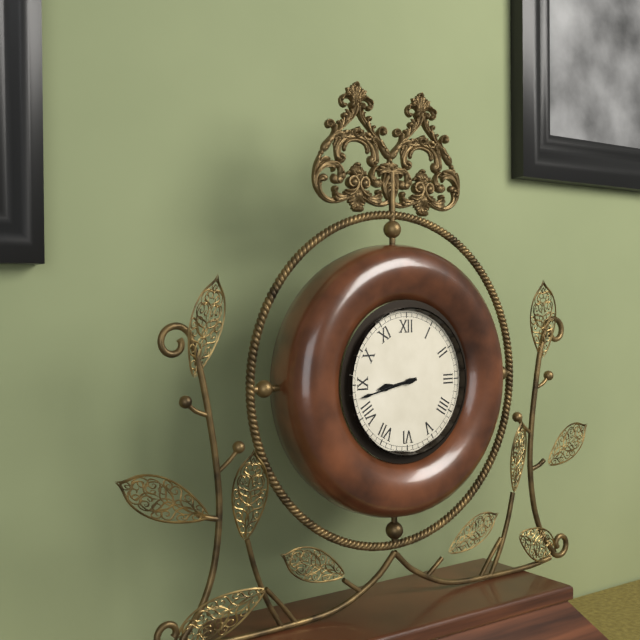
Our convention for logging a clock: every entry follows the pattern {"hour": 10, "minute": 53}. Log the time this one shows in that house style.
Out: {"hour": 8, "minute": 43}
